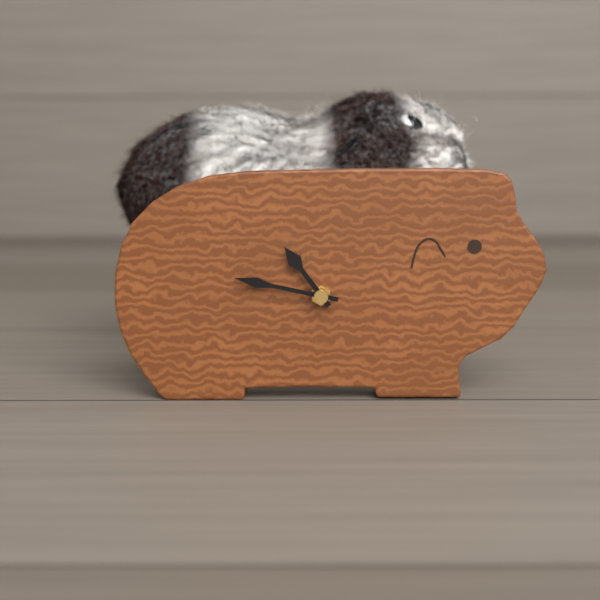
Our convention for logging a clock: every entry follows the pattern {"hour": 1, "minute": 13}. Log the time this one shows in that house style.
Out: {"hour": 10, "minute": 47}
